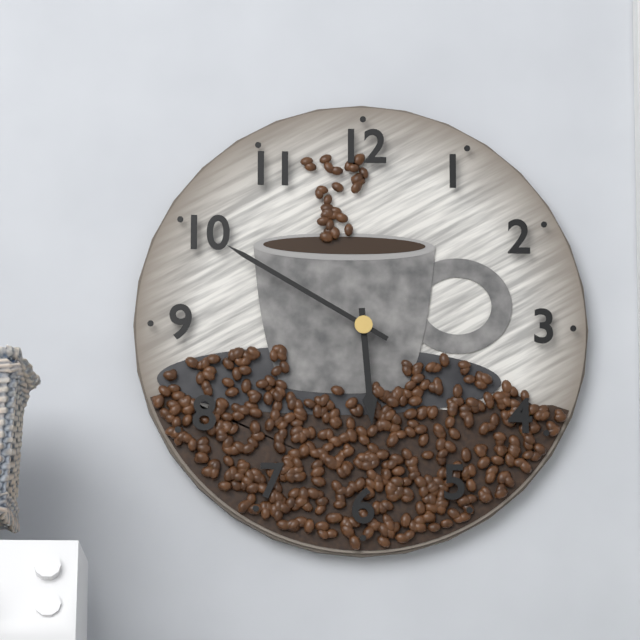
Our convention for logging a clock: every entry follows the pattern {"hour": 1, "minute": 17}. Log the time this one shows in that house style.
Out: {"hour": 5, "minute": 50}
